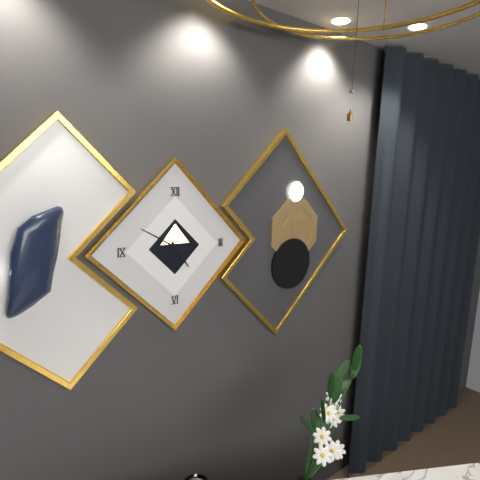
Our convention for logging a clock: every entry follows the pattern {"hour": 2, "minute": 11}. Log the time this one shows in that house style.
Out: {"hour": 4, "minute": 50}
